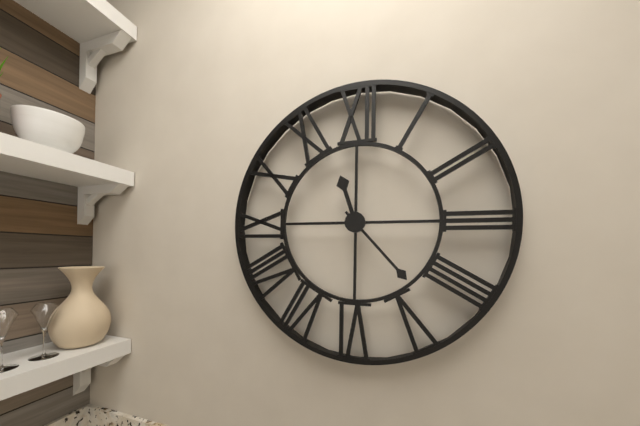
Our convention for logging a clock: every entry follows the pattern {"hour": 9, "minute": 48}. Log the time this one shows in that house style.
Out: {"hour": 11, "minute": 23}
